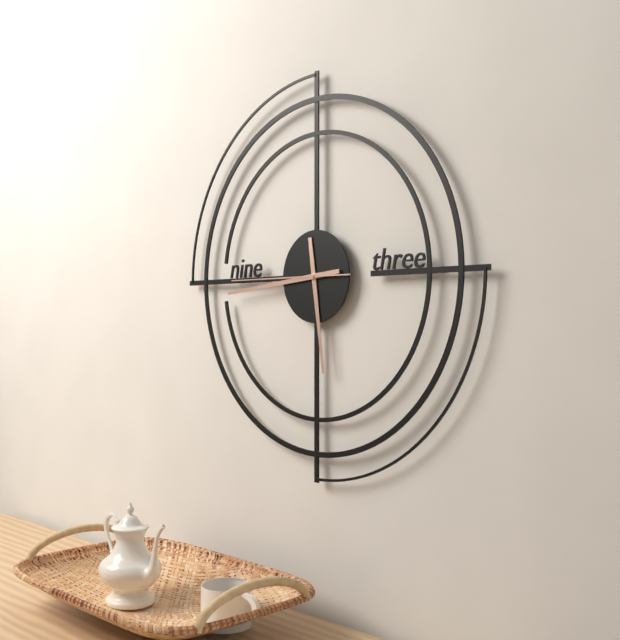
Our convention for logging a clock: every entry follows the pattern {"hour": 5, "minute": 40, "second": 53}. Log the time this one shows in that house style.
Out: {"hour": 5, "minute": 44, "second": 45}
